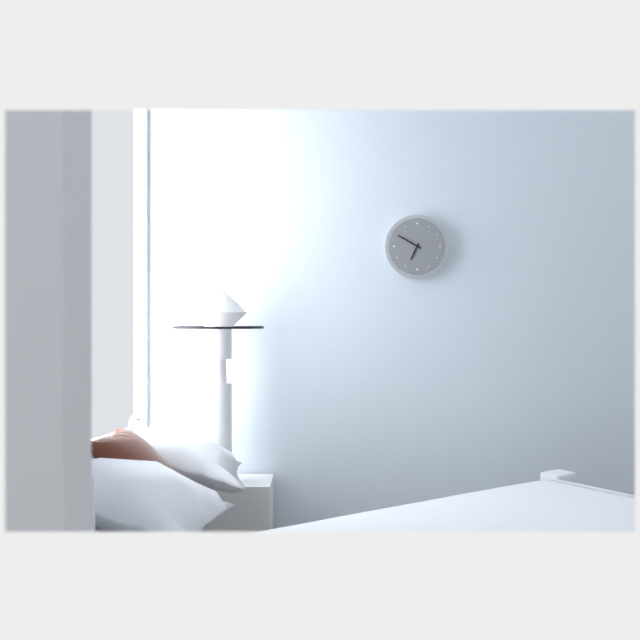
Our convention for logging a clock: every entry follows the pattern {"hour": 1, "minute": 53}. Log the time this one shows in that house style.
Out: {"hour": 6, "minute": 50}
